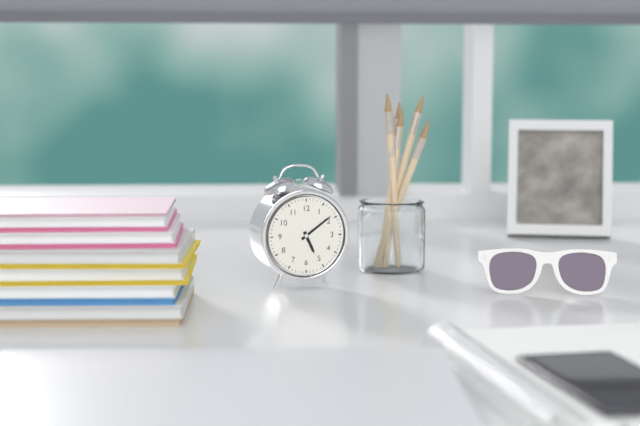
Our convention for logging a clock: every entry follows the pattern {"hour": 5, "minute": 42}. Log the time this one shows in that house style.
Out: {"hour": 5, "minute": 9}
